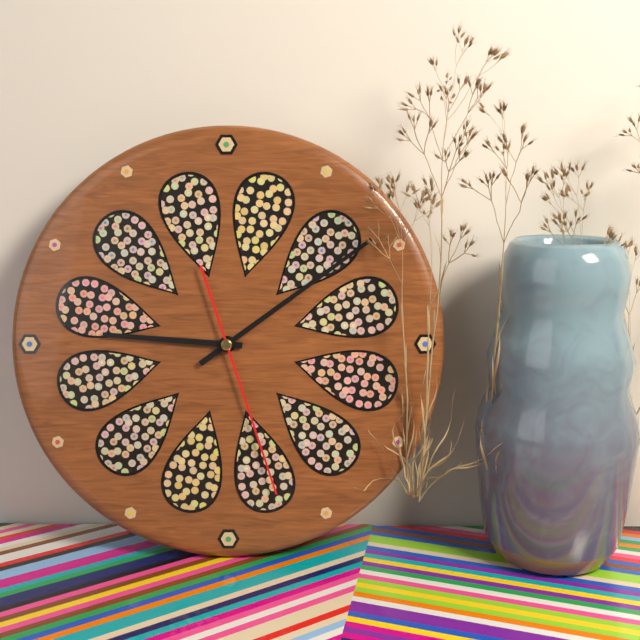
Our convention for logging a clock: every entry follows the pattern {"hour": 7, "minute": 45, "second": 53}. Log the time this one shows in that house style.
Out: {"hour": 9, "minute": 9, "second": 27}
